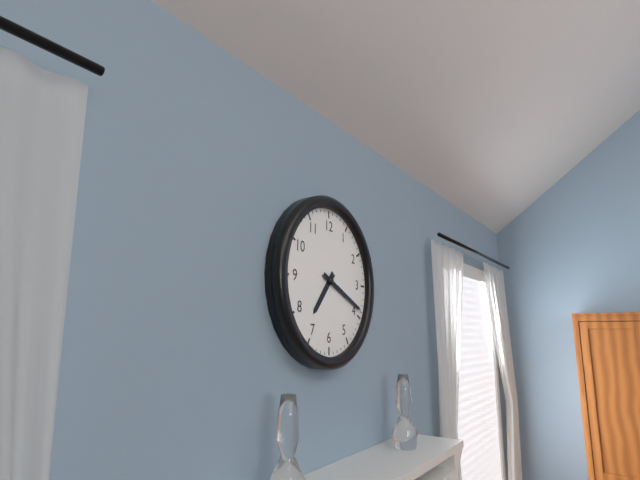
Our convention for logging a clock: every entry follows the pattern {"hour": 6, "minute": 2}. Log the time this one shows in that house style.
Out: {"hour": 7, "minute": 19}
